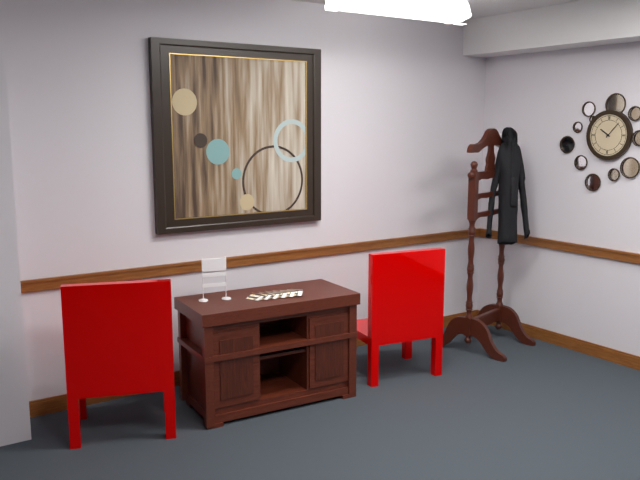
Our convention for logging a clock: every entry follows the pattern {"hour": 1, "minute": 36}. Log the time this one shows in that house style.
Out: {"hour": 10, "minute": 7}
